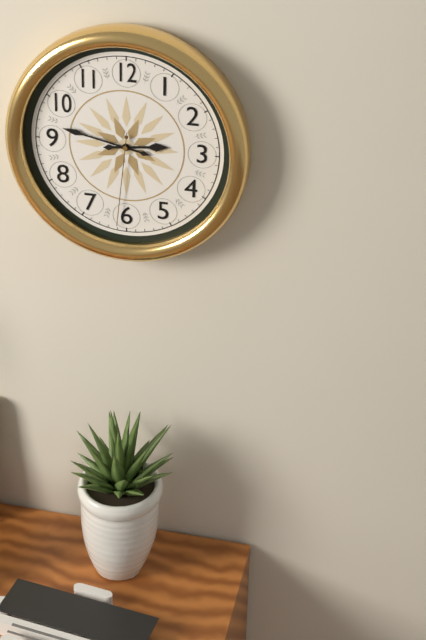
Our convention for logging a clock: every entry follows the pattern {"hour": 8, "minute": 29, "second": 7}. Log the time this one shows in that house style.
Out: {"hour": 2, "minute": 47, "second": 31}
